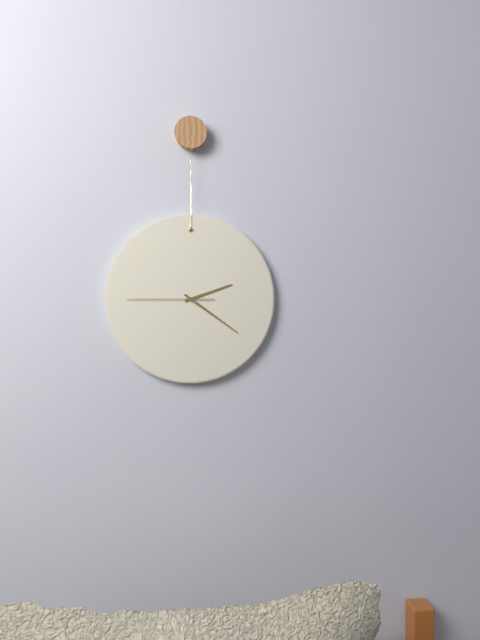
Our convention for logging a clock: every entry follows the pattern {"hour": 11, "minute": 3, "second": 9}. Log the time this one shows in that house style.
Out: {"hour": 2, "minute": 21, "second": 45}
